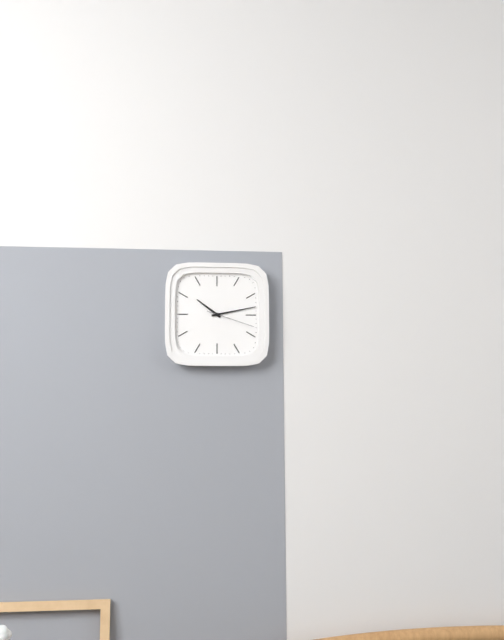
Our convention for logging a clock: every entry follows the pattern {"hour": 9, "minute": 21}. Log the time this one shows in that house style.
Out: {"hour": 10, "minute": 13}
